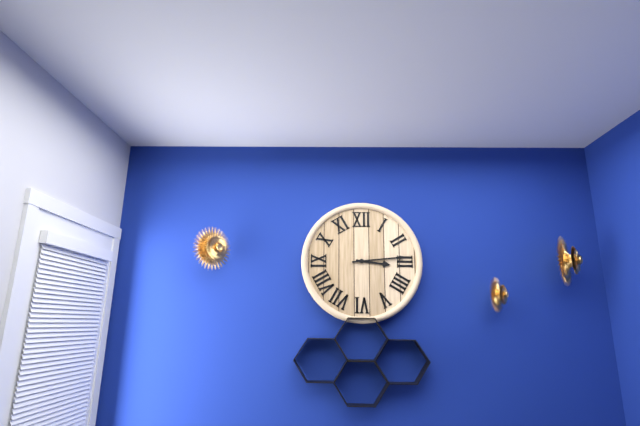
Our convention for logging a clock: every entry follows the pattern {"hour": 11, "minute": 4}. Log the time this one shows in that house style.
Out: {"hour": 3, "minute": 14}
